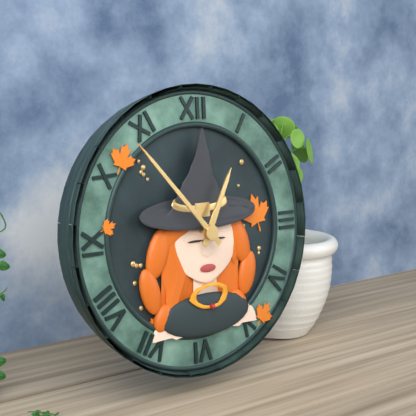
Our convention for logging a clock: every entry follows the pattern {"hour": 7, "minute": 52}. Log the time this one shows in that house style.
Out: {"hour": 12, "minute": 53}
